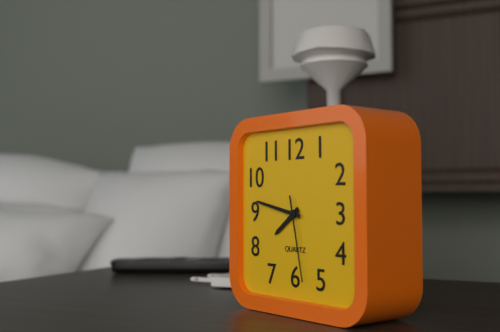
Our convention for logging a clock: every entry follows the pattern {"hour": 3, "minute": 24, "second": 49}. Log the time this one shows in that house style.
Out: {"hour": 7, "minute": 47, "second": 28}
